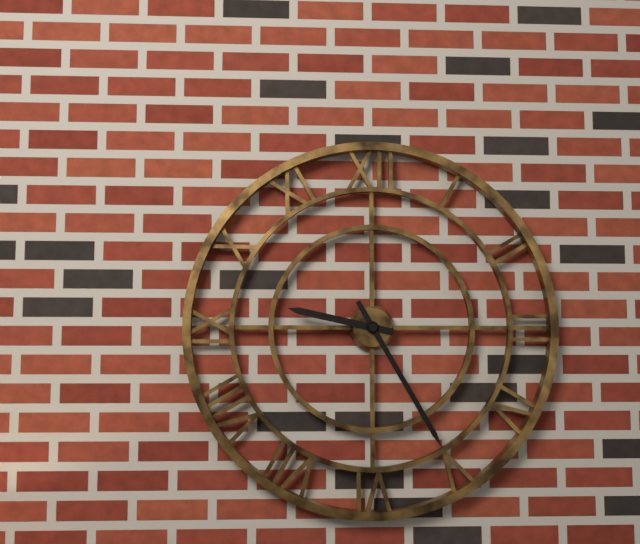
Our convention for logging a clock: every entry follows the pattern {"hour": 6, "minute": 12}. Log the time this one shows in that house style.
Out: {"hour": 9, "minute": 25}
